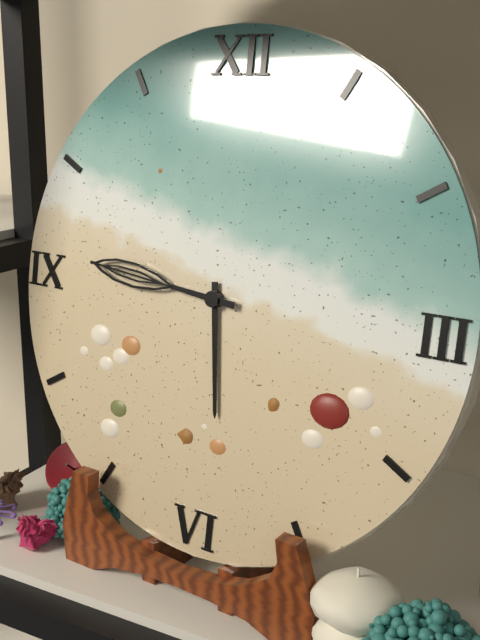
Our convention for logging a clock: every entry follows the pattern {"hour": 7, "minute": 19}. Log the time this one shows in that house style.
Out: {"hour": 5, "minute": 46}
